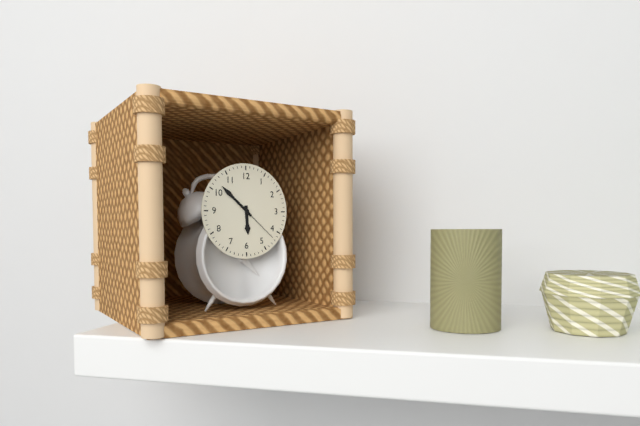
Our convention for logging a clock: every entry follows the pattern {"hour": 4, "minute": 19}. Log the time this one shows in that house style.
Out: {"hour": 5, "minute": 52}
